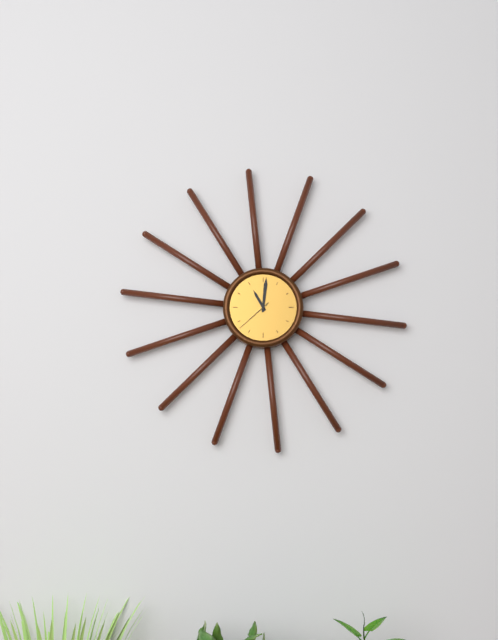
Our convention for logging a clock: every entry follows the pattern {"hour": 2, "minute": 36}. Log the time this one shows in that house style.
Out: {"hour": 11, "minute": 1}
